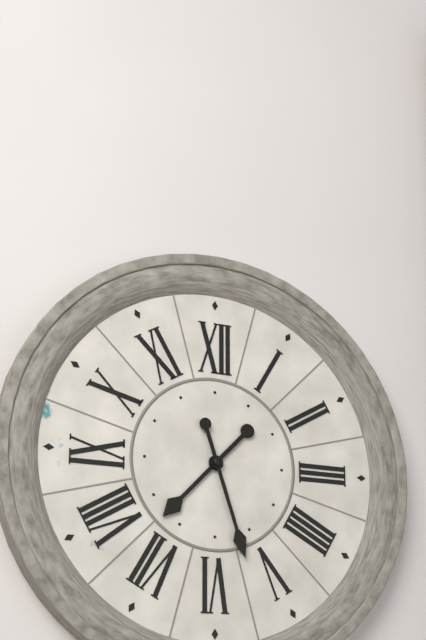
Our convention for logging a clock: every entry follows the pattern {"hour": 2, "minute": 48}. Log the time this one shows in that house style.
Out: {"hour": 7, "minute": 27}
